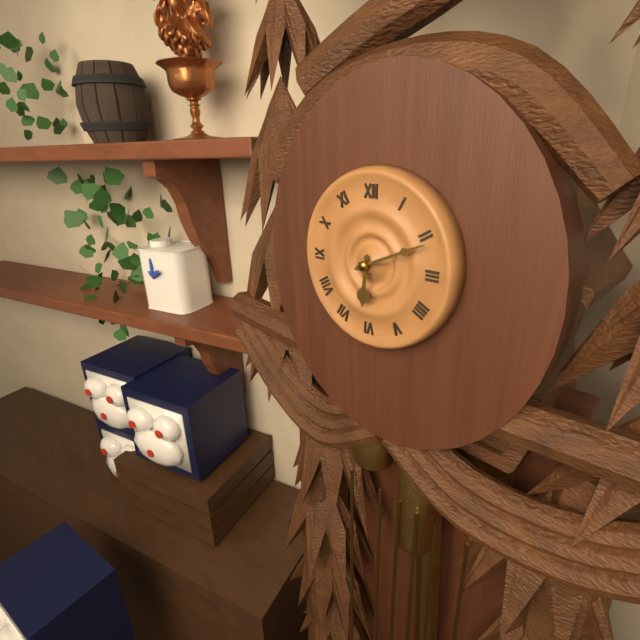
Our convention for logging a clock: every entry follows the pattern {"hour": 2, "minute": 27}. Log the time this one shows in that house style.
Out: {"hour": 6, "minute": 11}
